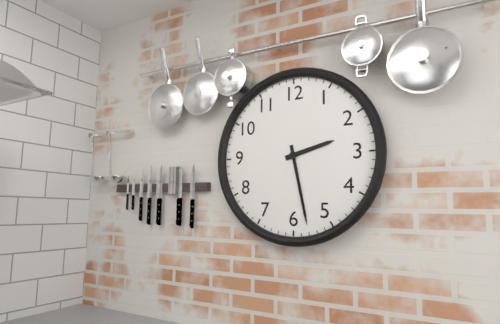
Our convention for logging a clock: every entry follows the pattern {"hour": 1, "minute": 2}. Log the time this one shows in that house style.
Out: {"hour": 2, "minute": 28}
